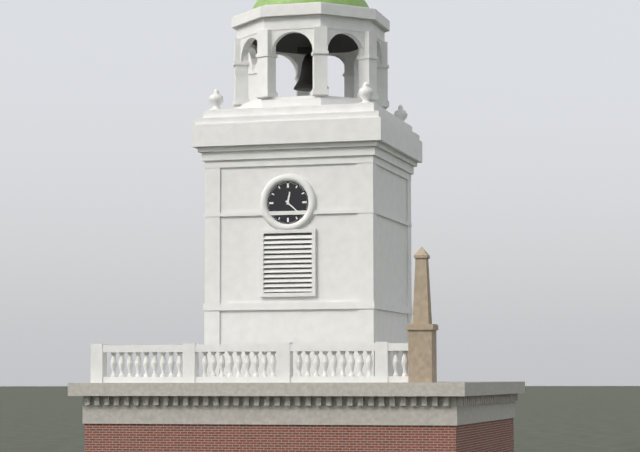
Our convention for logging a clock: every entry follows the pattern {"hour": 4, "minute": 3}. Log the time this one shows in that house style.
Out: {"hour": 12, "minute": 22}
